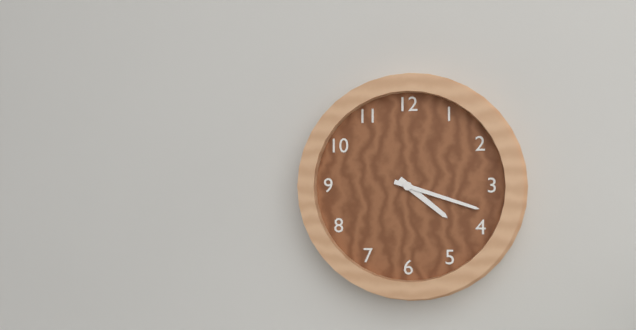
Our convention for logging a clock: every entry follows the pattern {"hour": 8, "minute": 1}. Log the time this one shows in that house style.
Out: {"hour": 4, "minute": 18}
